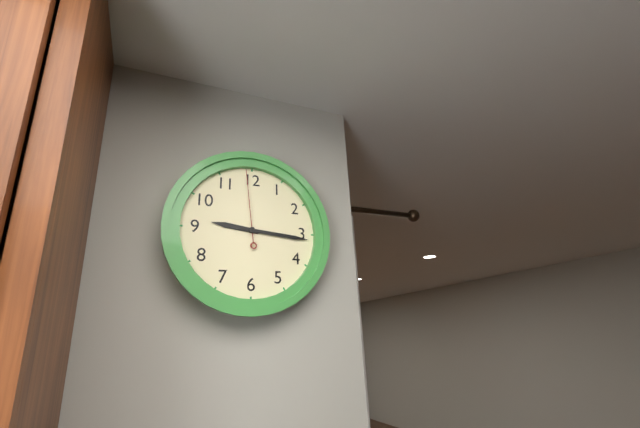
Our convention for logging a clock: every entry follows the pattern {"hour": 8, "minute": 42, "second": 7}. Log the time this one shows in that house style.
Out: {"hour": 9, "minute": 16, "second": 59}
